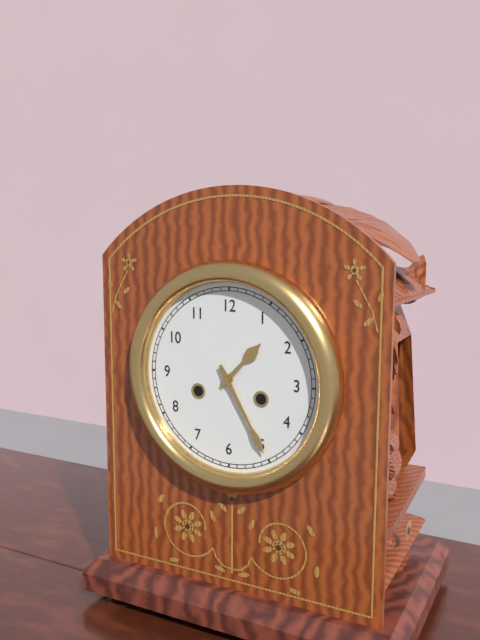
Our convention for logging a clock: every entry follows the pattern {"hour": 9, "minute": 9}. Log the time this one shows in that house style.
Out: {"hour": 1, "minute": 25}
